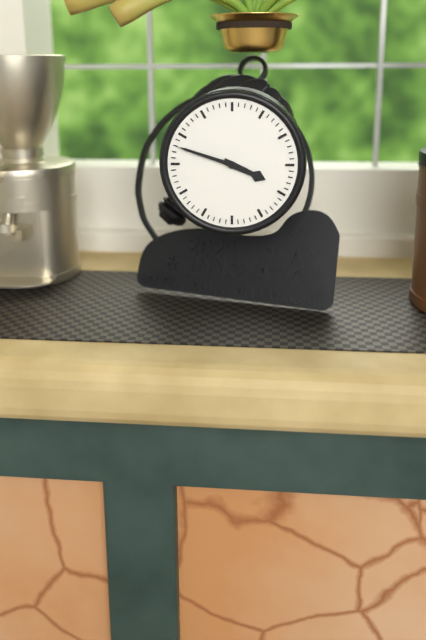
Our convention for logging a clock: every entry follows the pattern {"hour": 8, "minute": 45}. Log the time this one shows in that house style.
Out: {"hour": 3, "minute": 48}
